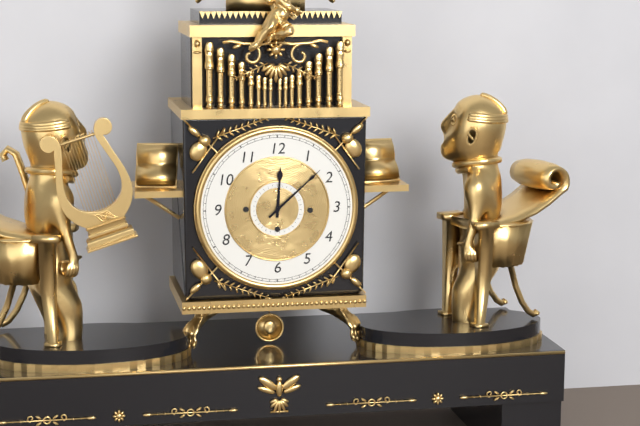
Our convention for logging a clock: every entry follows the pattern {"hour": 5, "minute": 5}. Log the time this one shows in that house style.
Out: {"hour": 12, "minute": 8}
